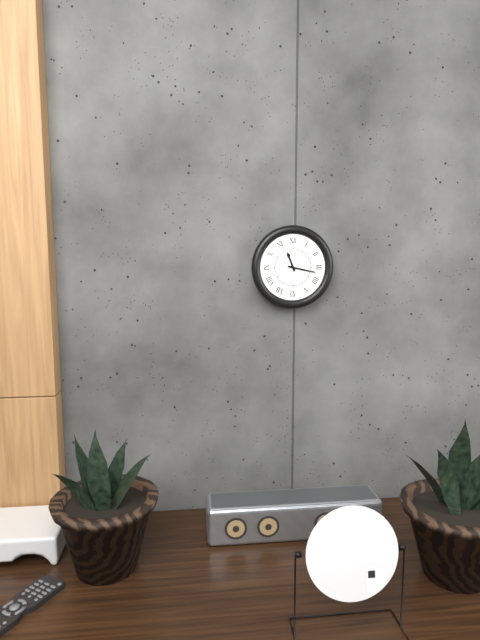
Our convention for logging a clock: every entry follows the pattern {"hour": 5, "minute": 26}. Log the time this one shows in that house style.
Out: {"hour": 11, "minute": 17}
